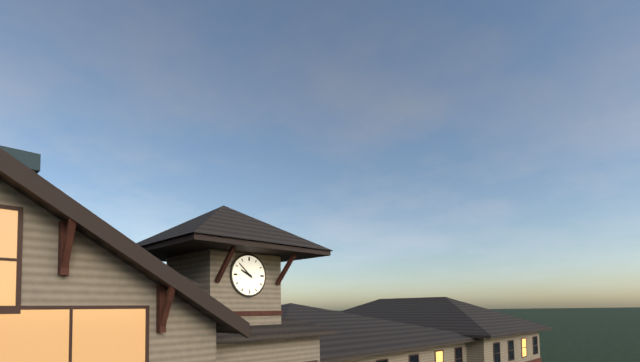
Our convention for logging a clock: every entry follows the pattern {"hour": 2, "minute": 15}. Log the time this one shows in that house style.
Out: {"hour": 9, "minute": 52}
